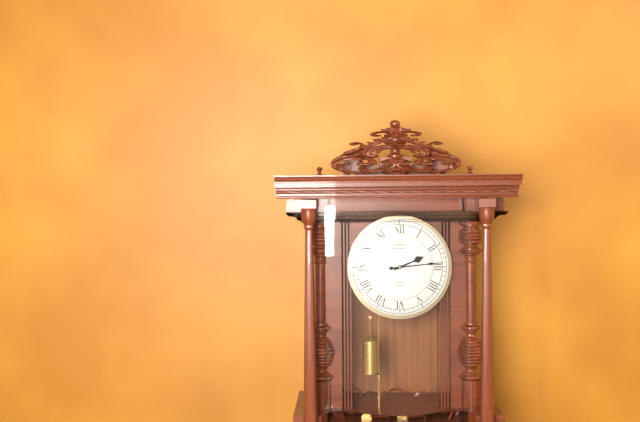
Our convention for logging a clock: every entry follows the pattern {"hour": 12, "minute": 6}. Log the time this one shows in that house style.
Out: {"hour": 2, "minute": 14}
